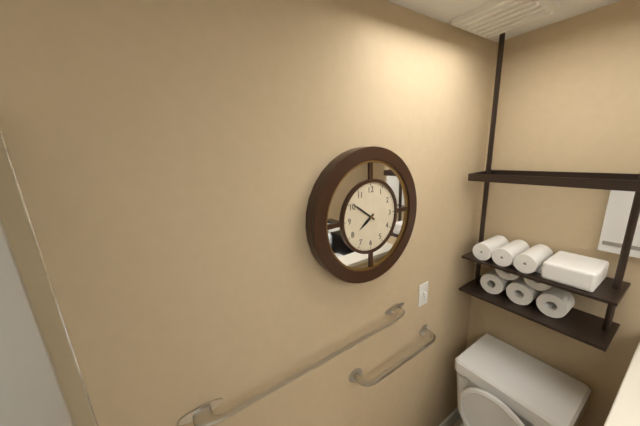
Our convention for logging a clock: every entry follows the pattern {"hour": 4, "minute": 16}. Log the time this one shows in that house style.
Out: {"hour": 7, "minute": 51}
